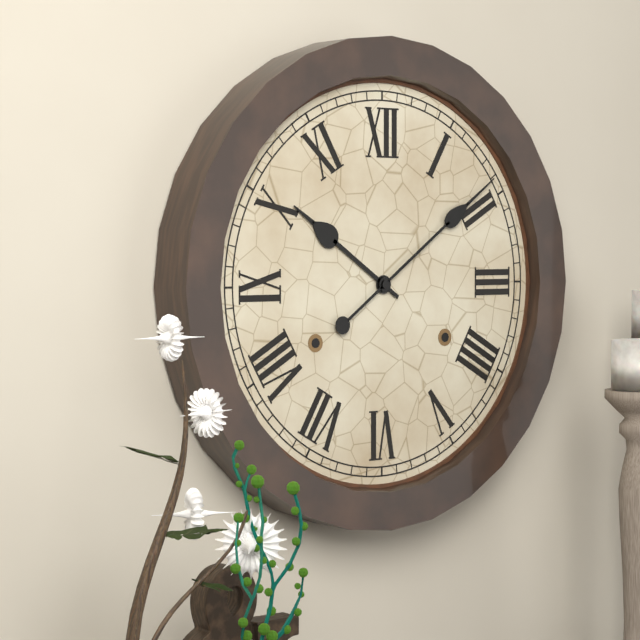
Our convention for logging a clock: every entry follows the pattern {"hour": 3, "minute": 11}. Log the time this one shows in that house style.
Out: {"hour": 10, "minute": 9}
